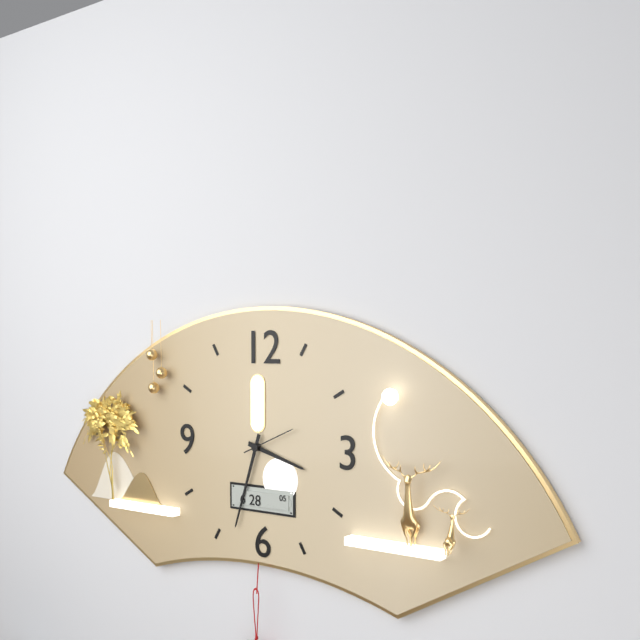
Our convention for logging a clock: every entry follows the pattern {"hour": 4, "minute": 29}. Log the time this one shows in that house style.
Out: {"hour": 3, "minute": 33}
